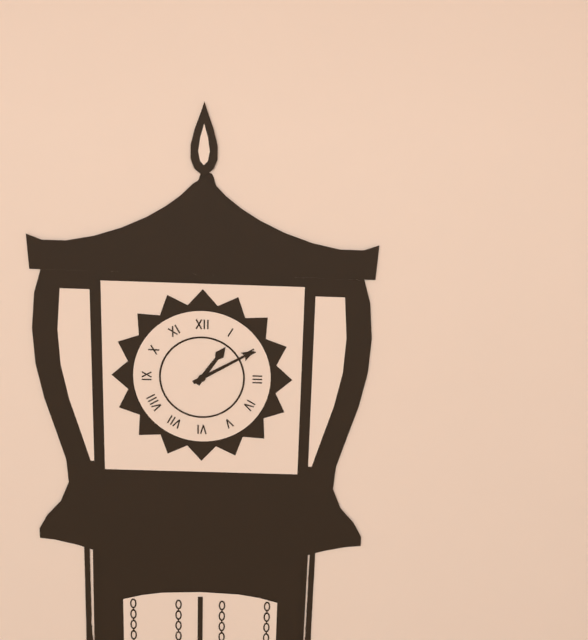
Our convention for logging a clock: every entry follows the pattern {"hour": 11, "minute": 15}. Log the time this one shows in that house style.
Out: {"hour": 1, "minute": 10}
